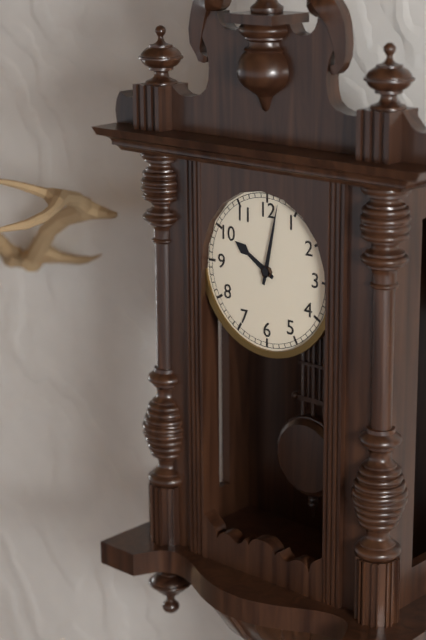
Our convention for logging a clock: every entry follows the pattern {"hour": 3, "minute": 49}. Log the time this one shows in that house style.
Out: {"hour": 10, "minute": 2}
